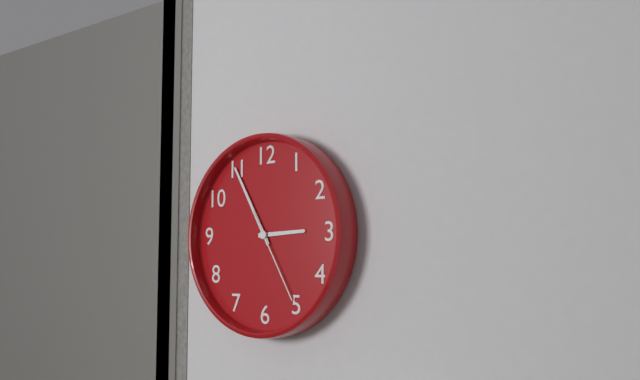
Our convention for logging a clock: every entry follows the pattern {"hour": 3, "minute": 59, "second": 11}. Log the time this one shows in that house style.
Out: {"hour": 2, "minute": 55, "second": 25}
